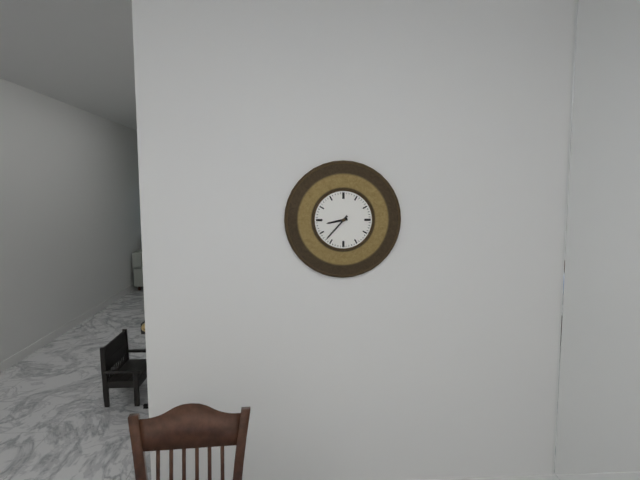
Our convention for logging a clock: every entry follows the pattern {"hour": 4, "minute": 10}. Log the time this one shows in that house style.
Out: {"hour": 8, "minute": 37}
